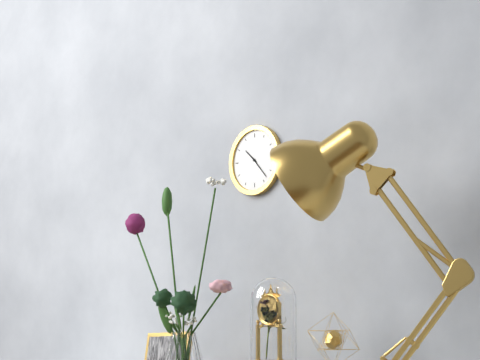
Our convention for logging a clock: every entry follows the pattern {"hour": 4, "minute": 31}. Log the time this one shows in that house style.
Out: {"hour": 10, "minute": 23}
